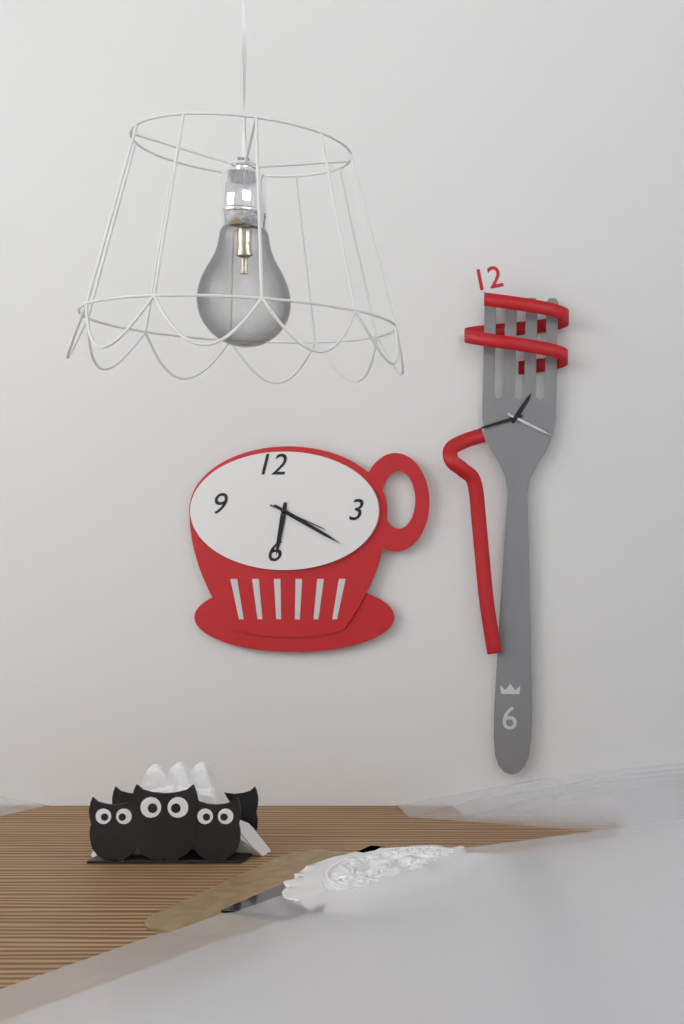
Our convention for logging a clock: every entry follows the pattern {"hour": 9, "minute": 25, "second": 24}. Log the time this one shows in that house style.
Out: {"hour": 6, "minute": 20, "second": 19}
